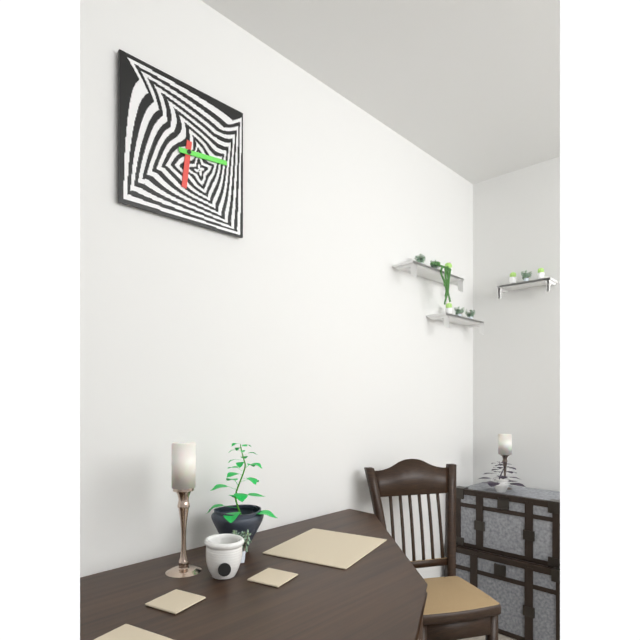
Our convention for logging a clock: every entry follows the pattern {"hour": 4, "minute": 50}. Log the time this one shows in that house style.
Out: {"hour": 6, "minute": 14}
